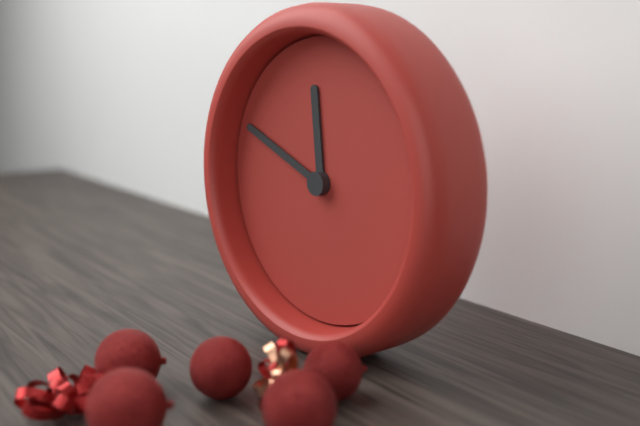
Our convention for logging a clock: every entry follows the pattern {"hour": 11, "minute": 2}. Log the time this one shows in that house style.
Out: {"hour": 11, "minute": 49}
